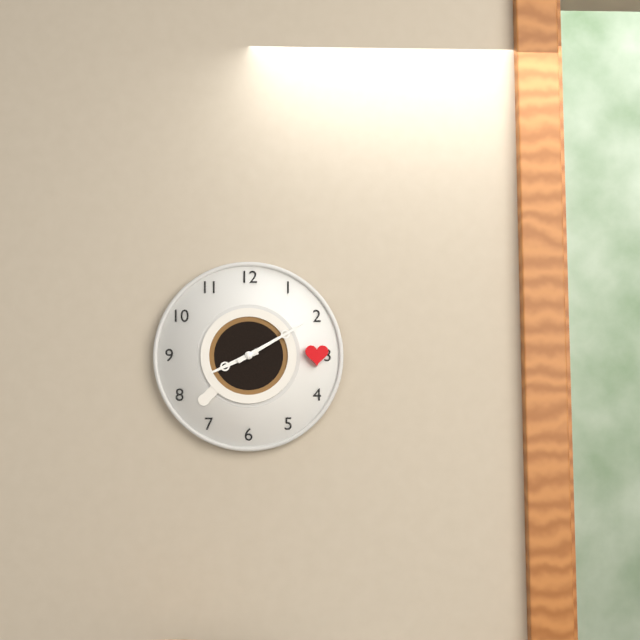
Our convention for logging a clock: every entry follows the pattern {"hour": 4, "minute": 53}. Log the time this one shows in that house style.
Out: {"hour": 8, "minute": 10}
